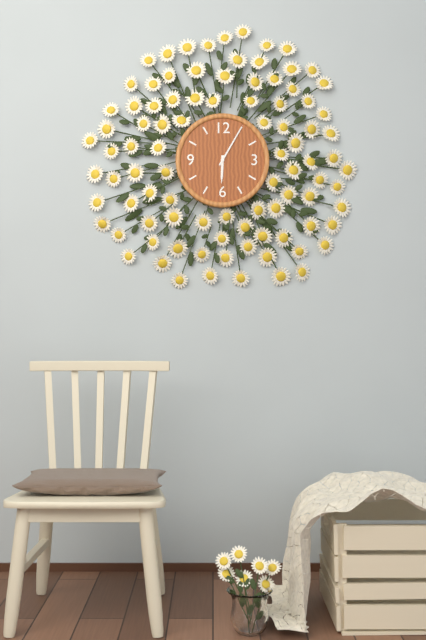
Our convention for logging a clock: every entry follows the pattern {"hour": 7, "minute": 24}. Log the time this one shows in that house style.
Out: {"hour": 6, "minute": 5}
